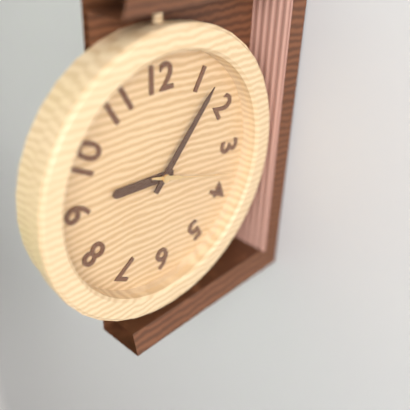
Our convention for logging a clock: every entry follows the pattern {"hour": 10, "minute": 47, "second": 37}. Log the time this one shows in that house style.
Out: {"hour": 9, "minute": 7, "second": 18}
